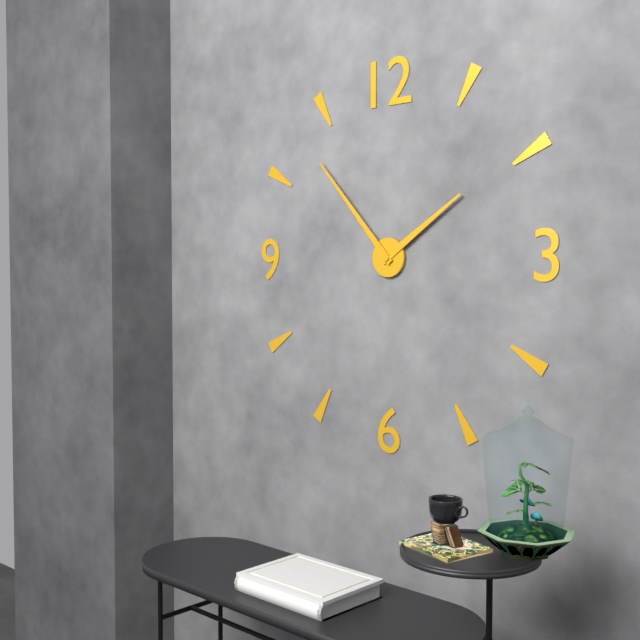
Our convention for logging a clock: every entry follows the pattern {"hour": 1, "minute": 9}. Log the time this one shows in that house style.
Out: {"hour": 1, "minute": 53}
